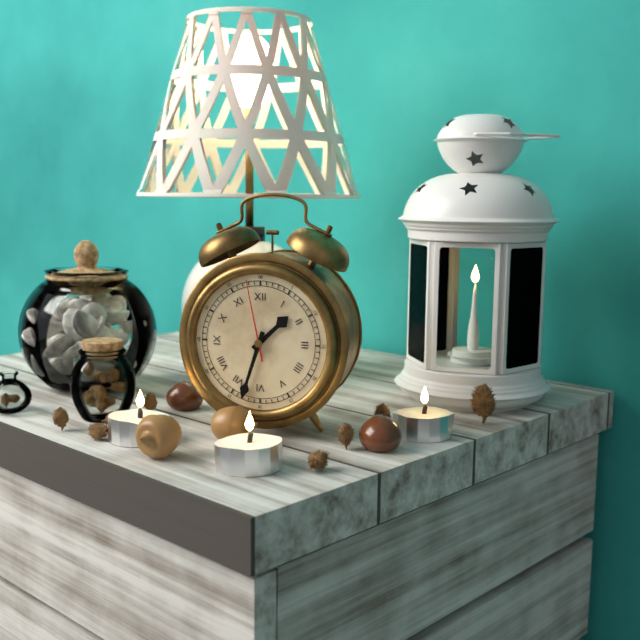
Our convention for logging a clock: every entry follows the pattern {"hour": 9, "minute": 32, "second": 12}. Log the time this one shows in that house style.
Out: {"hour": 1, "minute": 33, "second": 58}
